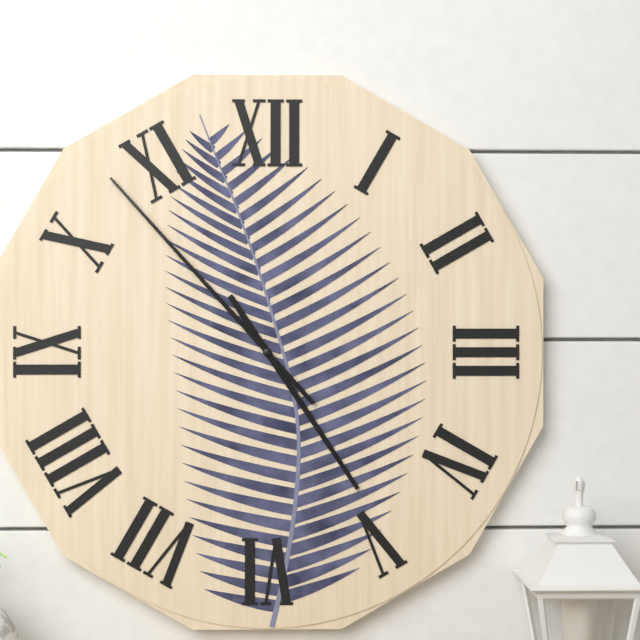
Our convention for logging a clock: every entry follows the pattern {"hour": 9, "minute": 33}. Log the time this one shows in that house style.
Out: {"hour": 4, "minute": 53}
